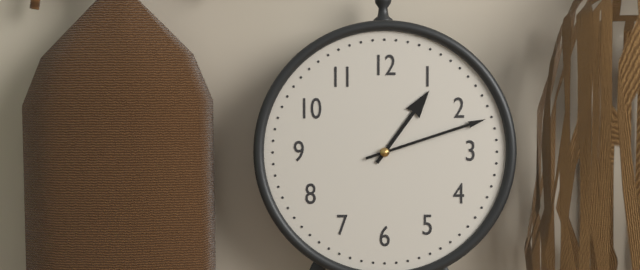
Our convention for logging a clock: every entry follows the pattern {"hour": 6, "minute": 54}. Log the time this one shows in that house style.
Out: {"hour": 1, "minute": 12}
